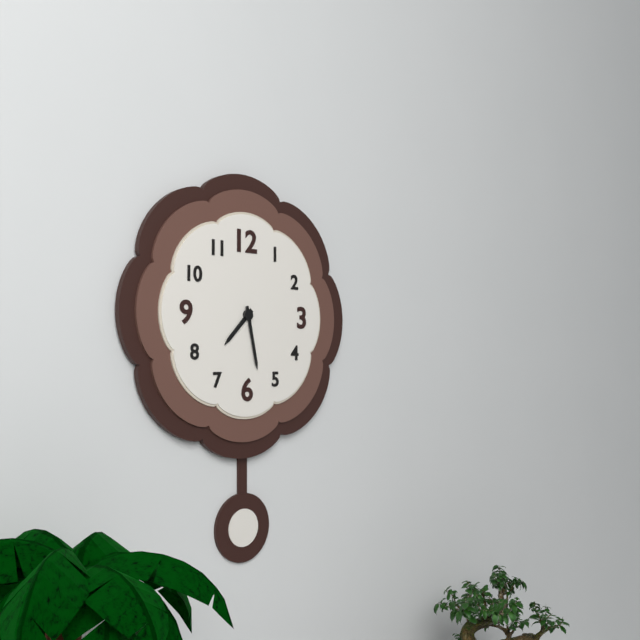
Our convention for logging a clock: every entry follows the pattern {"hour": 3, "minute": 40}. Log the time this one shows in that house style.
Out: {"hour": 7, "minute": 28}
